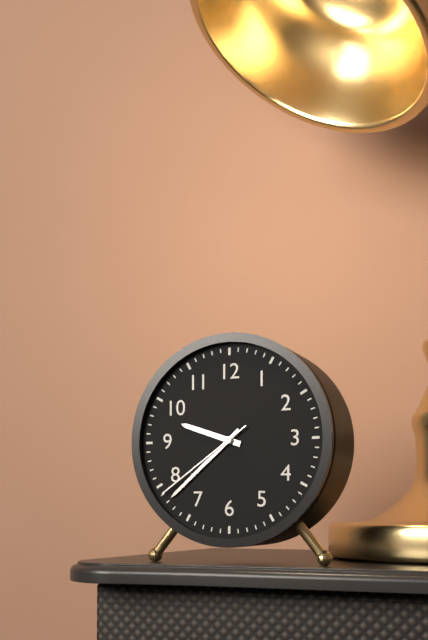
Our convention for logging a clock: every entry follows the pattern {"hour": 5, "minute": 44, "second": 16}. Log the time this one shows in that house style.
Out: {"hour": 9, "minute": 38, "second": 39}
